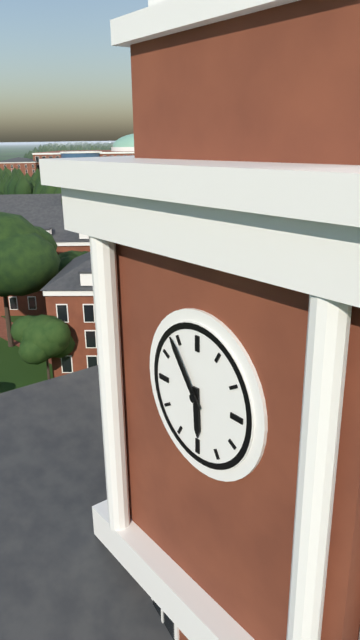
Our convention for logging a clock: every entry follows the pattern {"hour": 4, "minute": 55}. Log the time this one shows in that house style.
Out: {"hour": 5, "minute": 54}
